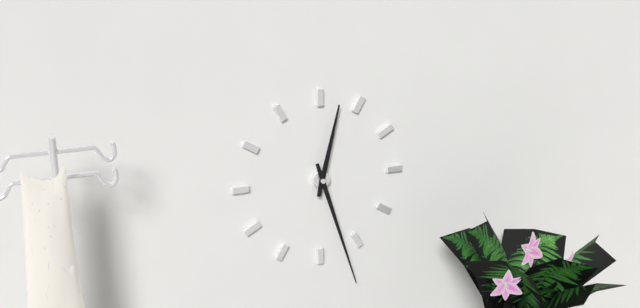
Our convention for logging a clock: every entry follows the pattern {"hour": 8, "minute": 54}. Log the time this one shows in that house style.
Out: {"hour": 12, "minute": 27}
